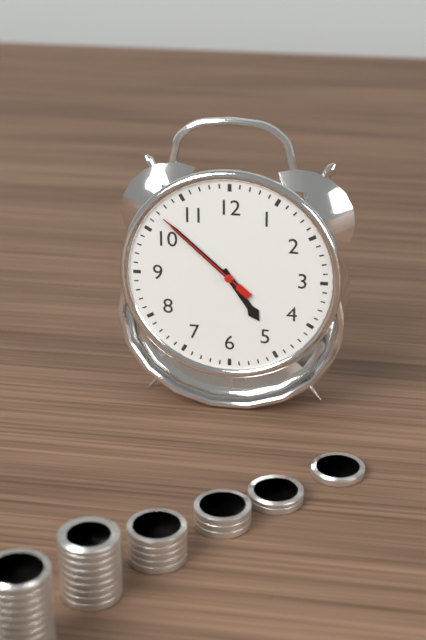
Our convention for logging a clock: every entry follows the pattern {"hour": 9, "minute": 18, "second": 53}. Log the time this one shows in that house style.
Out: {"hour": 4, "minute": 52, "second": 52}
